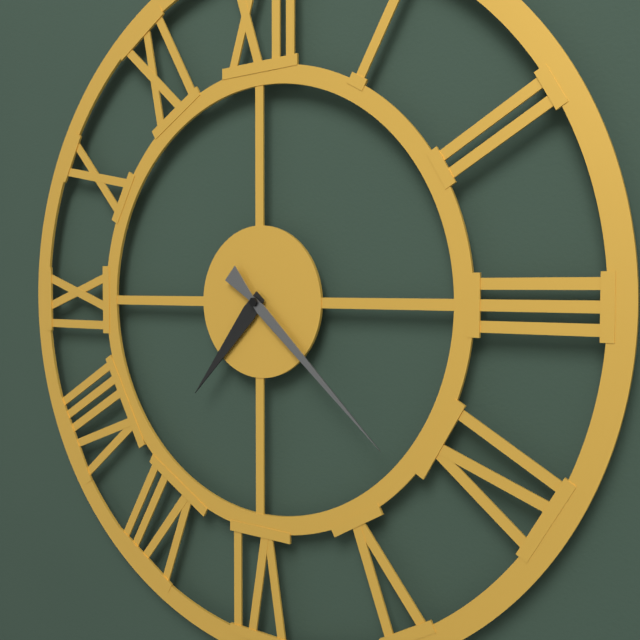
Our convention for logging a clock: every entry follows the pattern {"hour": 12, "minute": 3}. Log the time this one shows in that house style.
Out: {"hour": 7, "minute": 22}
